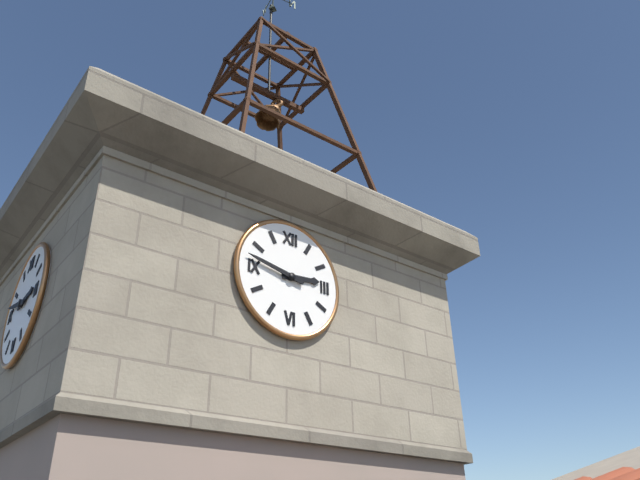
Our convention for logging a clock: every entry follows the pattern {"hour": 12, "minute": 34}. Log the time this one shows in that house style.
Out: {"hour": 2, "minute": 47}
